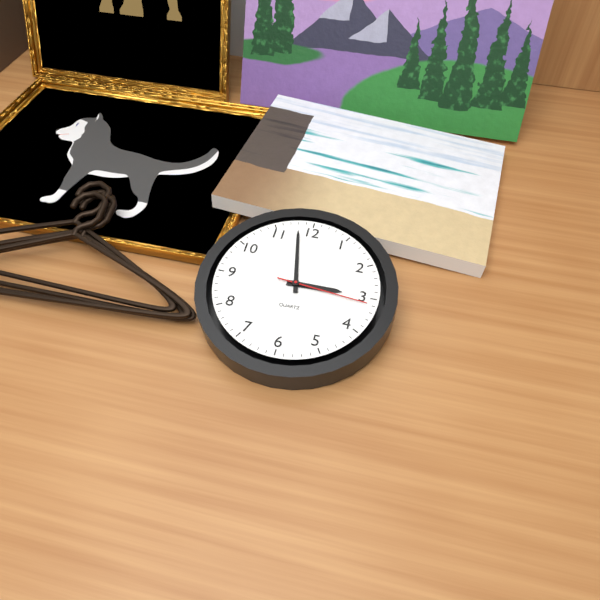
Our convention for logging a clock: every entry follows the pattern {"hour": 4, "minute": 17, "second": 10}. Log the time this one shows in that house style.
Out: {"hour": 2, "minute": 58, "second": 16}
